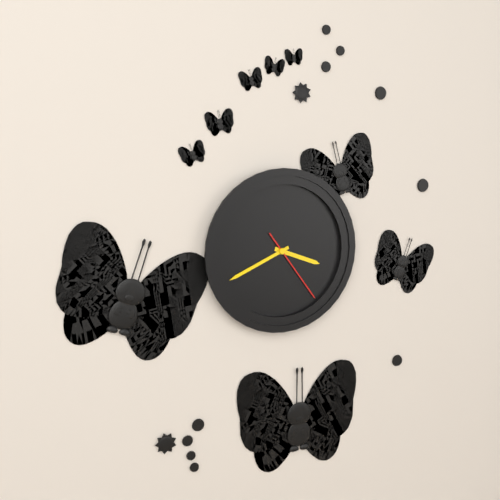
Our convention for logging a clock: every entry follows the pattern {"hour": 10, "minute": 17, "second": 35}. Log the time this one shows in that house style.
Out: {"hour": 3, "minute": 41, "second": 24}
